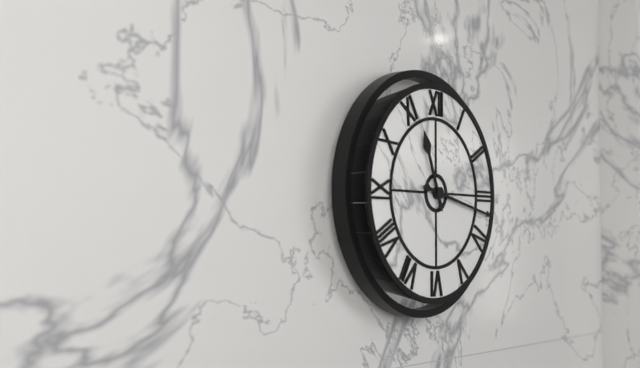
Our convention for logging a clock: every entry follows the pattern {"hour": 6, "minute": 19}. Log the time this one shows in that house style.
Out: {"hour": 11, "minute": 17}
